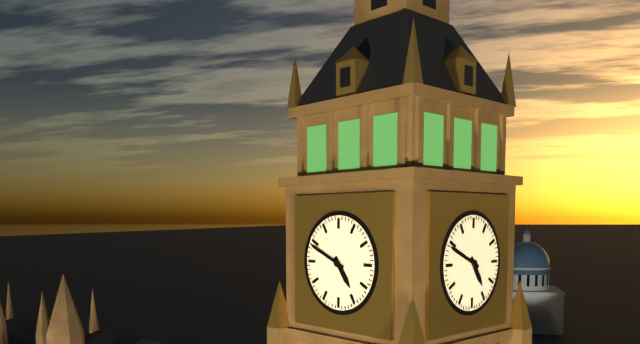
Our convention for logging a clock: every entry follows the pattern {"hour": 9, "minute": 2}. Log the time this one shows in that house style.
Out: {"hour": 4, "minute": 49}
